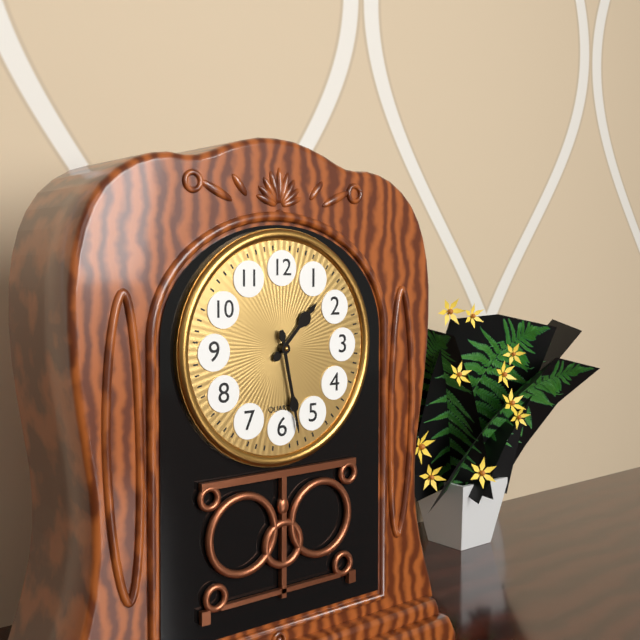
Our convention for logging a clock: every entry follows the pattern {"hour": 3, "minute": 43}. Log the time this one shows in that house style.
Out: {"hour": 1, "minute": 28}
